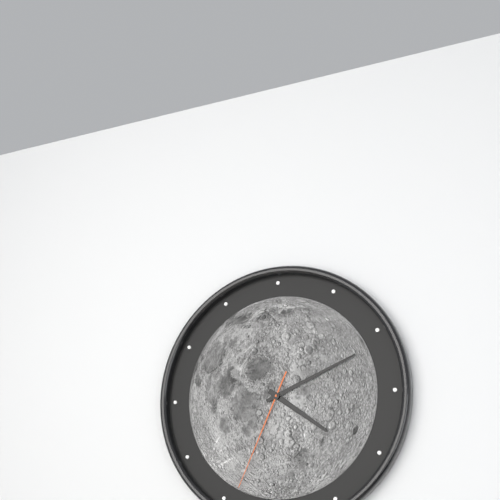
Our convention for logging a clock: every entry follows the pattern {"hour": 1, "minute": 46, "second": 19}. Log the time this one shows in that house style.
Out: {"hour": 4, "minute": 11, "second": 34}
